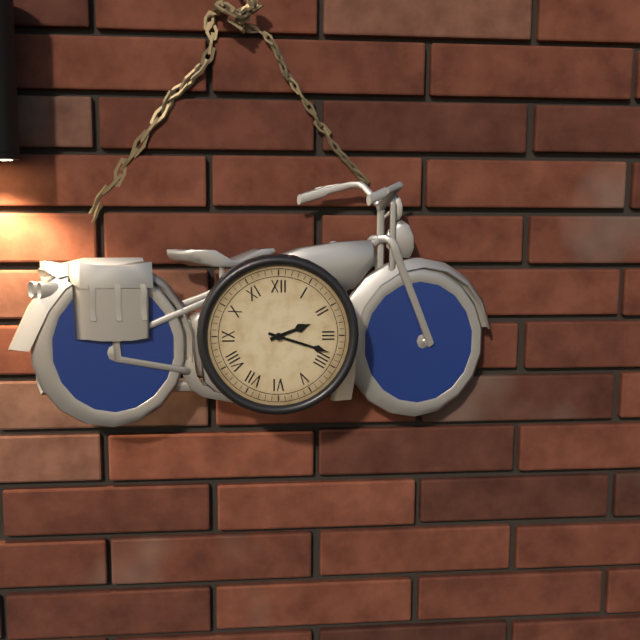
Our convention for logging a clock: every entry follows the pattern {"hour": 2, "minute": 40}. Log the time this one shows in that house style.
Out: {"hour": 2, "minute": 18}
